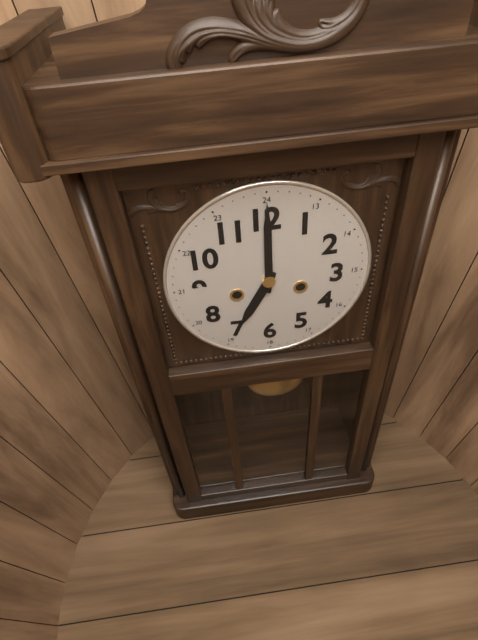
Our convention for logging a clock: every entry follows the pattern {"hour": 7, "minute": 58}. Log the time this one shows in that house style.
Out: {"hour": 7, "minute": 0}
